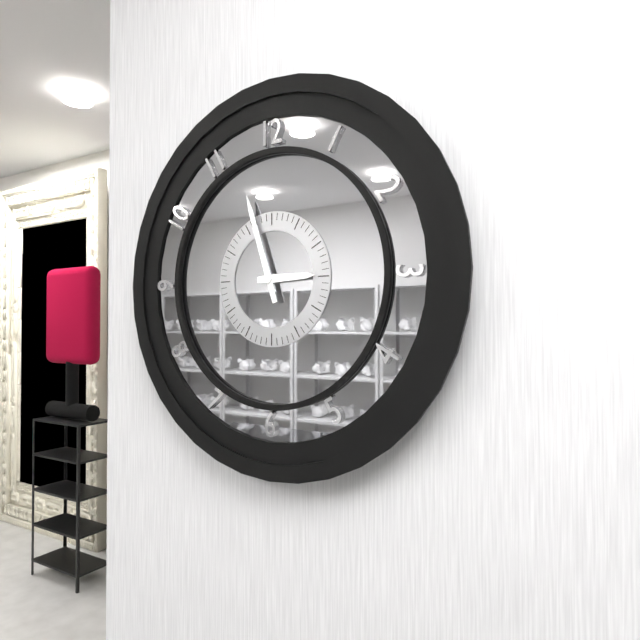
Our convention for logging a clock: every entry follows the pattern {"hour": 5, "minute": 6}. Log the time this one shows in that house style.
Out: {"hour": 2, "minute": 57}
